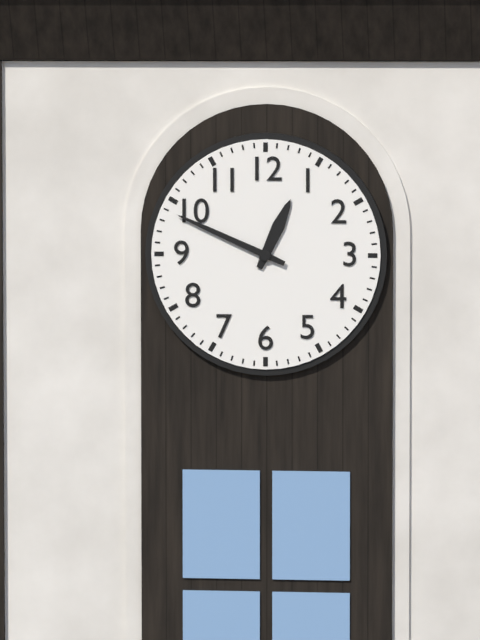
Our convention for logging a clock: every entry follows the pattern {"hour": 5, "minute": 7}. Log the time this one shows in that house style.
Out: {"hour": 12, "minute": 49}
